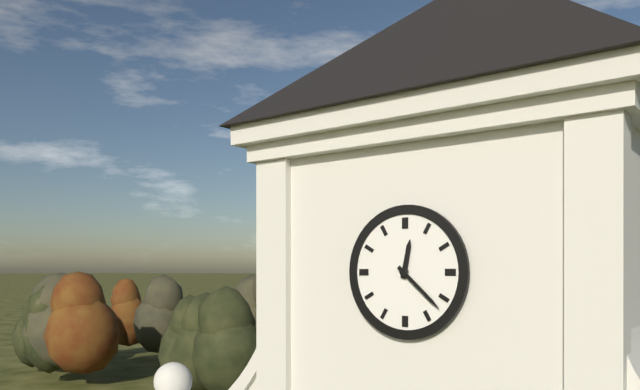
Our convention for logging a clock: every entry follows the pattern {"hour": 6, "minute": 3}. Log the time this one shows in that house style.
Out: {"hour": 12, "minute": 22}
